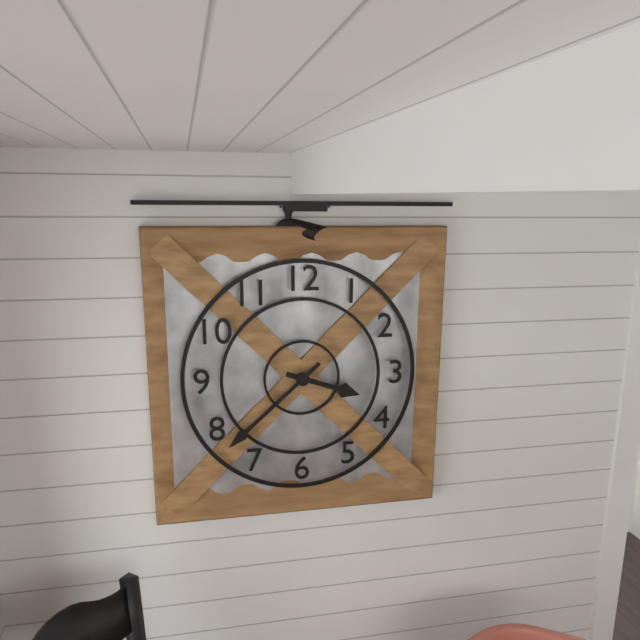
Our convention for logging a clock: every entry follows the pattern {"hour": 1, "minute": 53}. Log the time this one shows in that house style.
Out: {"hour": 3, "minute": 38}
